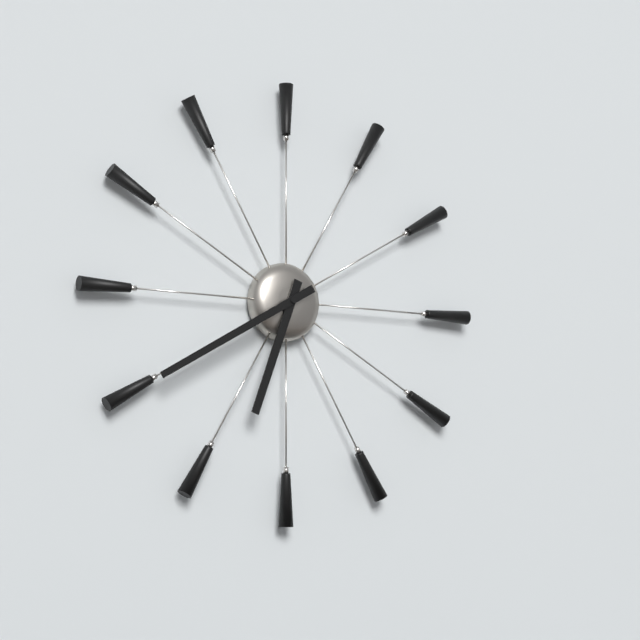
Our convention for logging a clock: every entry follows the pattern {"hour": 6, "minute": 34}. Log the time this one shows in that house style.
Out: {"hour": 6, "minute": 40}
